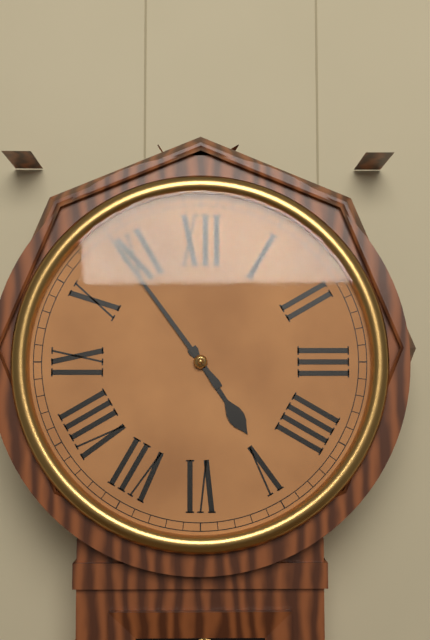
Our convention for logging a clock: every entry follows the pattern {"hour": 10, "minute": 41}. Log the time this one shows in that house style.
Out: {"hour": 4, "minute": 54}
